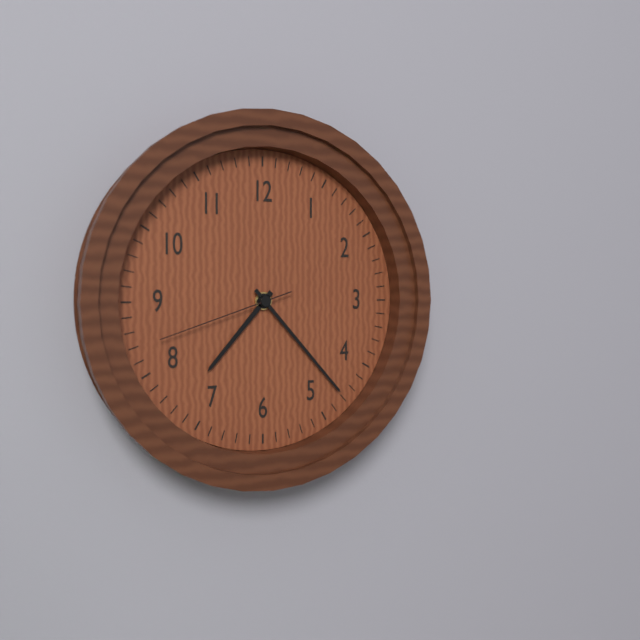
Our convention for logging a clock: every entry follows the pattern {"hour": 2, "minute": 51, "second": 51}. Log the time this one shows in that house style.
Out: {"hour": 7, "minute": 23, "second": 42}
